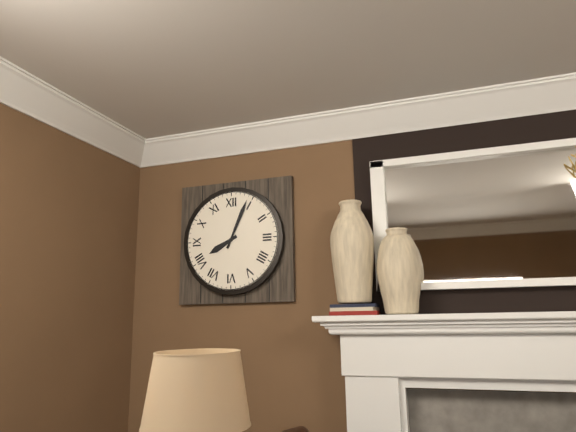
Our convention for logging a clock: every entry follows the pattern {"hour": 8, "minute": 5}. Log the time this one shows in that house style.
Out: {"hour": 8, "minute": 4}
